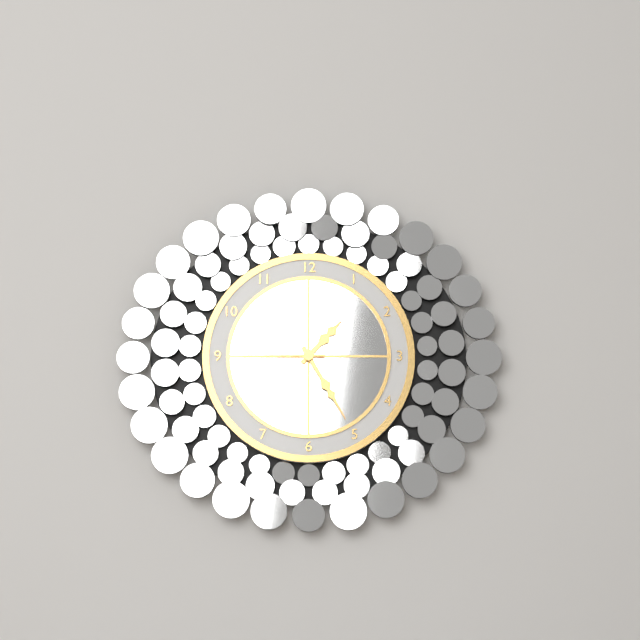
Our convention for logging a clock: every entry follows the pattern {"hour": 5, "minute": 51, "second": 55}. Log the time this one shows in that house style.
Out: {"hour": 1, "minute": 25, "second": 45}
